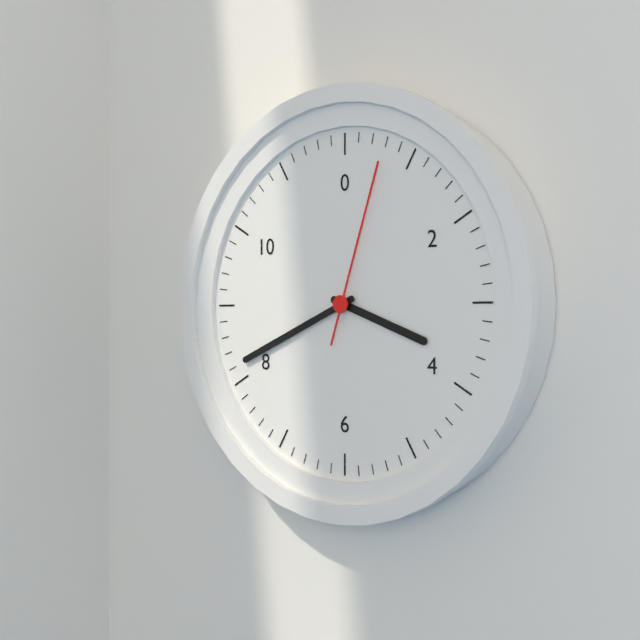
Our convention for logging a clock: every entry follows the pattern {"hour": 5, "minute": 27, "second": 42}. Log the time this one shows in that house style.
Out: {"hour": 3, "minute": 41, "second": 3}
